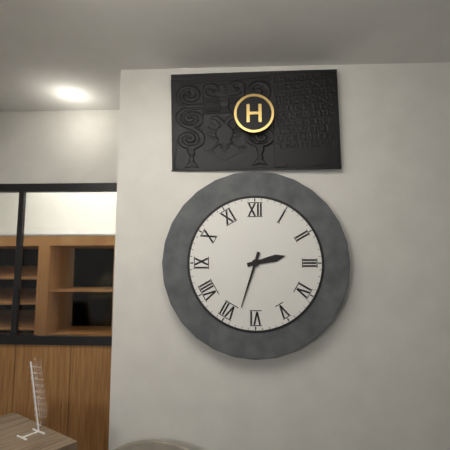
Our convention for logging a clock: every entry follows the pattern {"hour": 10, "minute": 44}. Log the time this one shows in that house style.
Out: {"hour": 2, "minute": 33}
